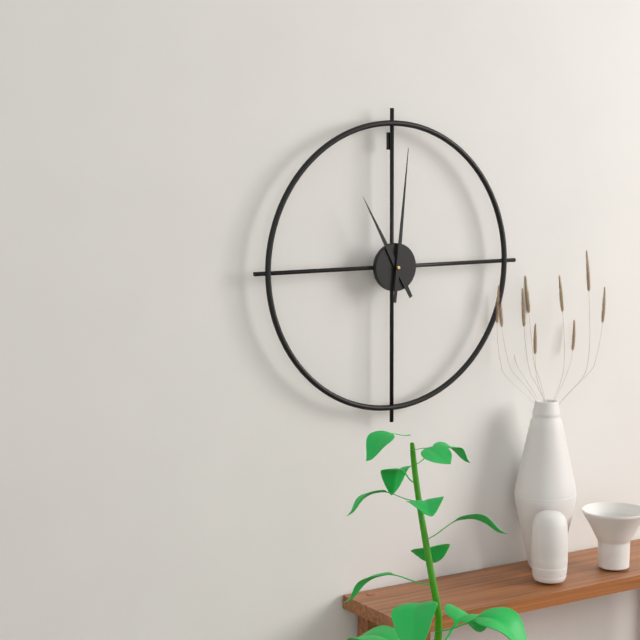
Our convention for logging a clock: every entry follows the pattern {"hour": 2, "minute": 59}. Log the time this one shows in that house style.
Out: {"hour": 11, "minute": 1}
